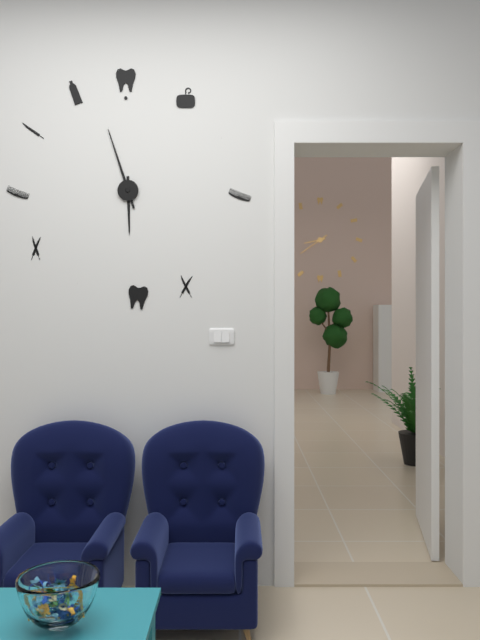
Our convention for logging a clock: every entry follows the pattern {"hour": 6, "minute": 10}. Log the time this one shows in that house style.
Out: {"hour": 5, "minute": 57}
